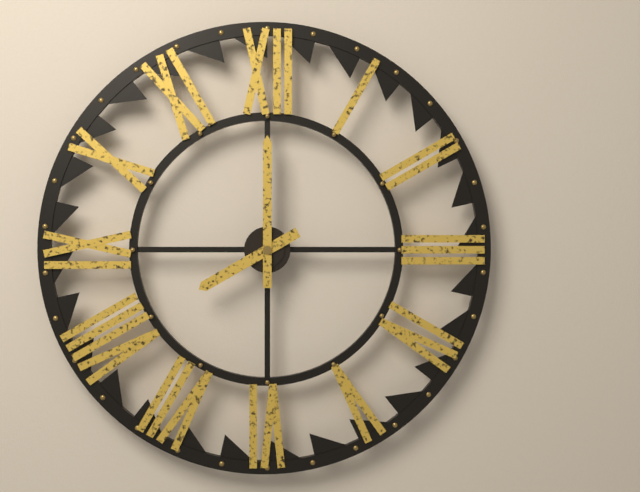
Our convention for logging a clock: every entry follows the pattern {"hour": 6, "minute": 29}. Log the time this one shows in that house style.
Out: {"hour": 8, "minute": 0}
